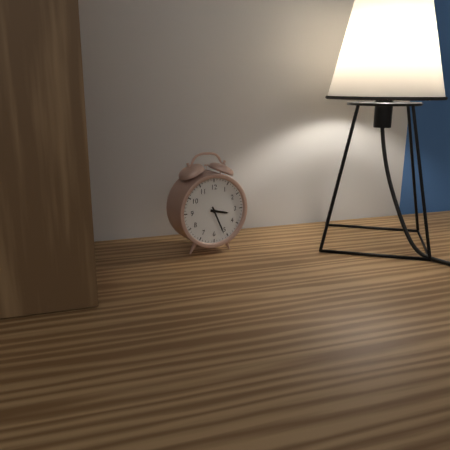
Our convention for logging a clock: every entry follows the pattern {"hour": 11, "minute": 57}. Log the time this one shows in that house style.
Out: {"hour": 3, "minute": 26}
